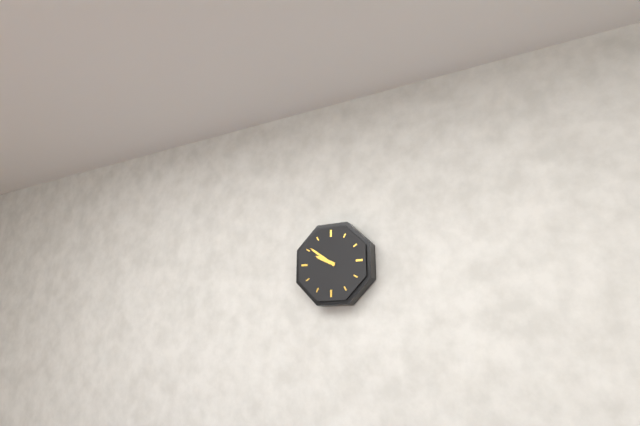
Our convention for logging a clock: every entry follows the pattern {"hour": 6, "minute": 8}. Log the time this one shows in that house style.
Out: {"hour": 9, "minute": 51}
